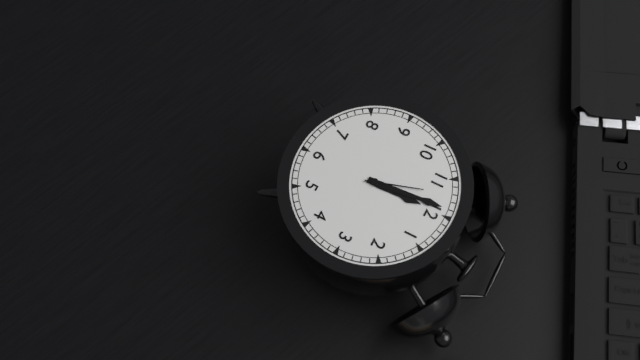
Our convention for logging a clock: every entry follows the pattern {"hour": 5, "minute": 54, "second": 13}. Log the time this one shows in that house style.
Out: {"hour": 11, "minute": 59, "second": 57}
